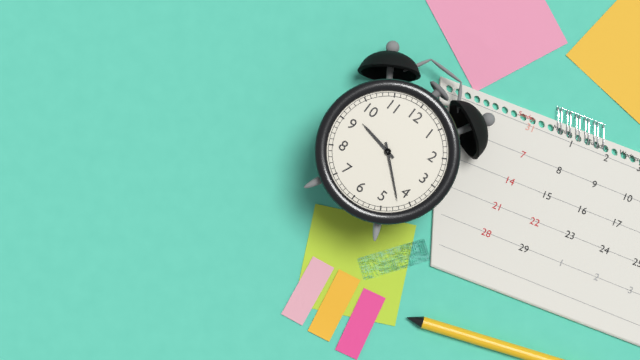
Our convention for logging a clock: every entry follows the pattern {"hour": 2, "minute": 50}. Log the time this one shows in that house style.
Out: {"hour": 9, "minute": 22}
